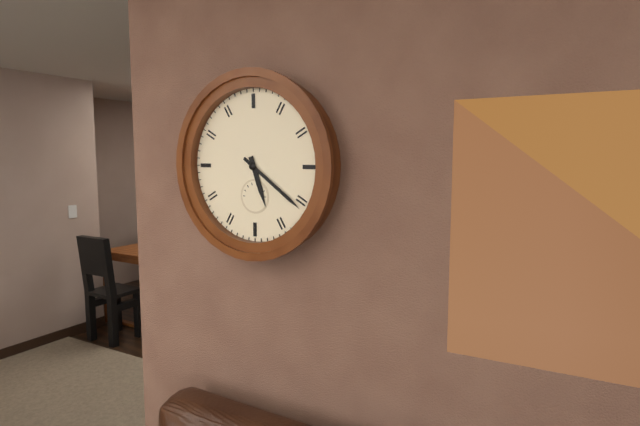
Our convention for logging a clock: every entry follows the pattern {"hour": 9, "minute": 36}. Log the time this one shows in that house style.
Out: {"hour": 5, "minute": 21}
